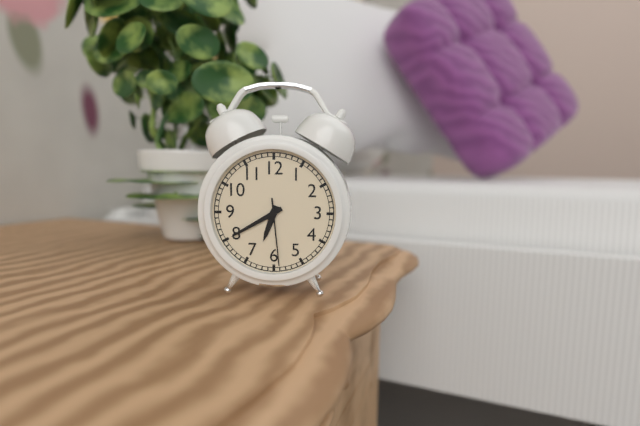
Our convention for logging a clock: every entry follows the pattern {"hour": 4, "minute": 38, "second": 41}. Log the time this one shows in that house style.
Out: {"hour": 6, "minute": 40, "second": 29}
